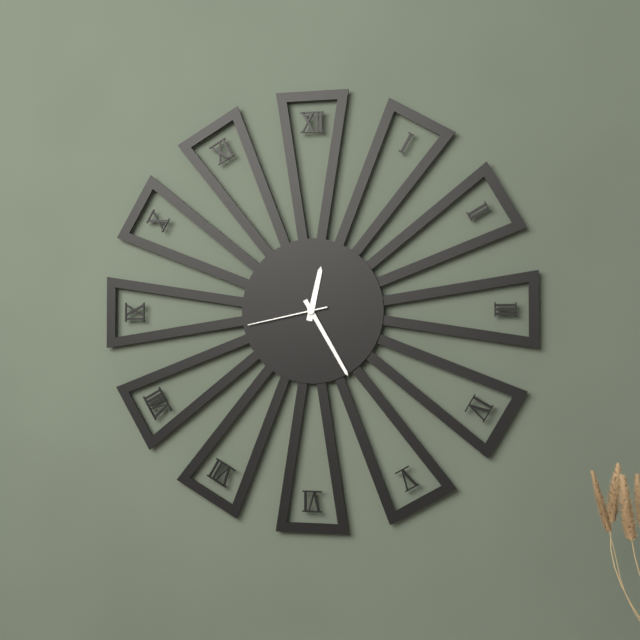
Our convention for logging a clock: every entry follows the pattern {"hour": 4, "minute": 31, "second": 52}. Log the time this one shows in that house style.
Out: {"hour": 12, "minute": 25, "second": 43}
